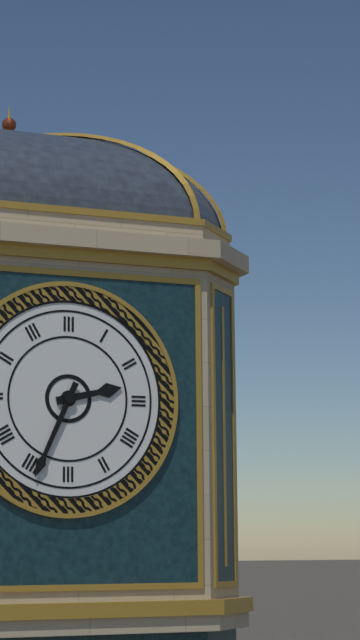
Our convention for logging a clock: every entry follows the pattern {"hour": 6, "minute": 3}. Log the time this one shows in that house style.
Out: {"hour": 2, "minute": 34}
